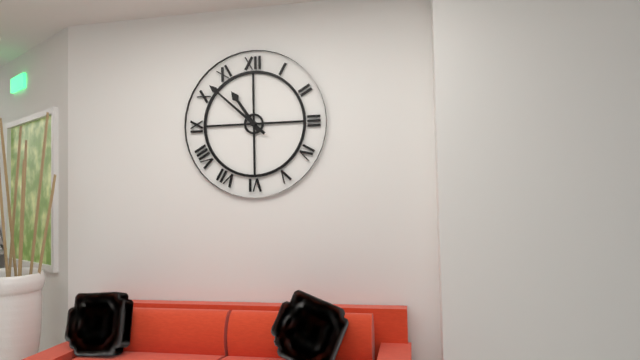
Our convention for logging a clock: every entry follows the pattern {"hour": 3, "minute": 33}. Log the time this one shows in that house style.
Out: {"hour": 10, "minute": 52}
